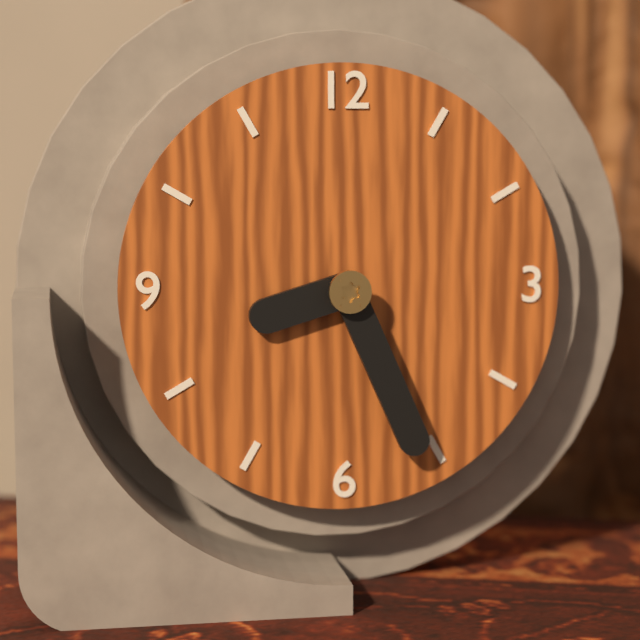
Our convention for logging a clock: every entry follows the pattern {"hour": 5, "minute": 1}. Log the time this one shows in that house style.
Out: {"hour": 8, "minute": 26}
